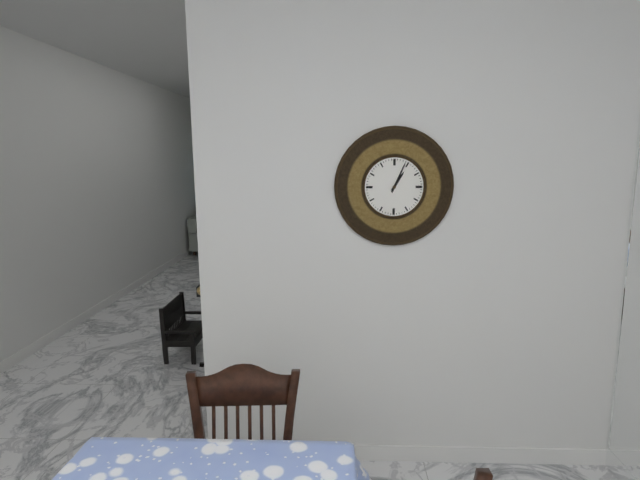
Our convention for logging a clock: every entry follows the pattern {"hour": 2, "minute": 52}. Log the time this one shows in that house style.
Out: {"hour": 1, "minute": 4}
